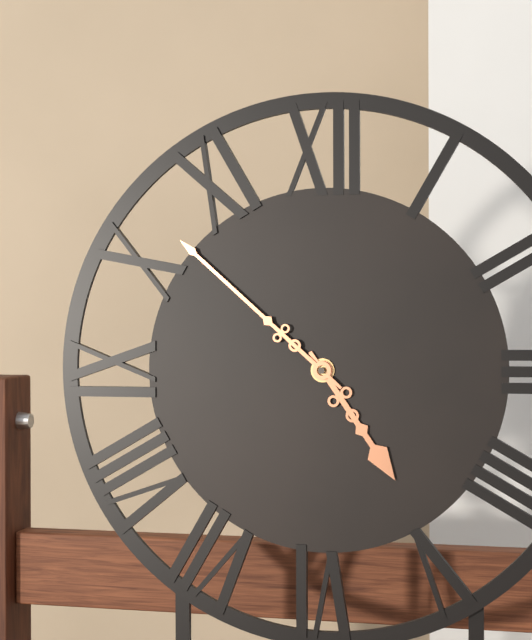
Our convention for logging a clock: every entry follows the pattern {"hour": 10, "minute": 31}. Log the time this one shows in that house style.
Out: {"hour": 4, "minute": 52}
